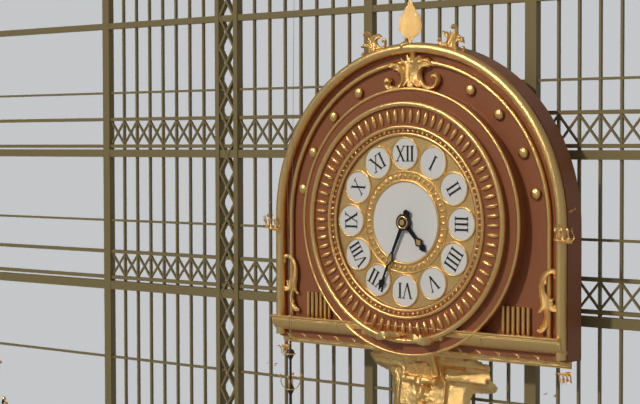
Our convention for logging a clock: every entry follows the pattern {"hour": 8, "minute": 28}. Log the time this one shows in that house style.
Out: {"hour": 4, "minute": 34}
